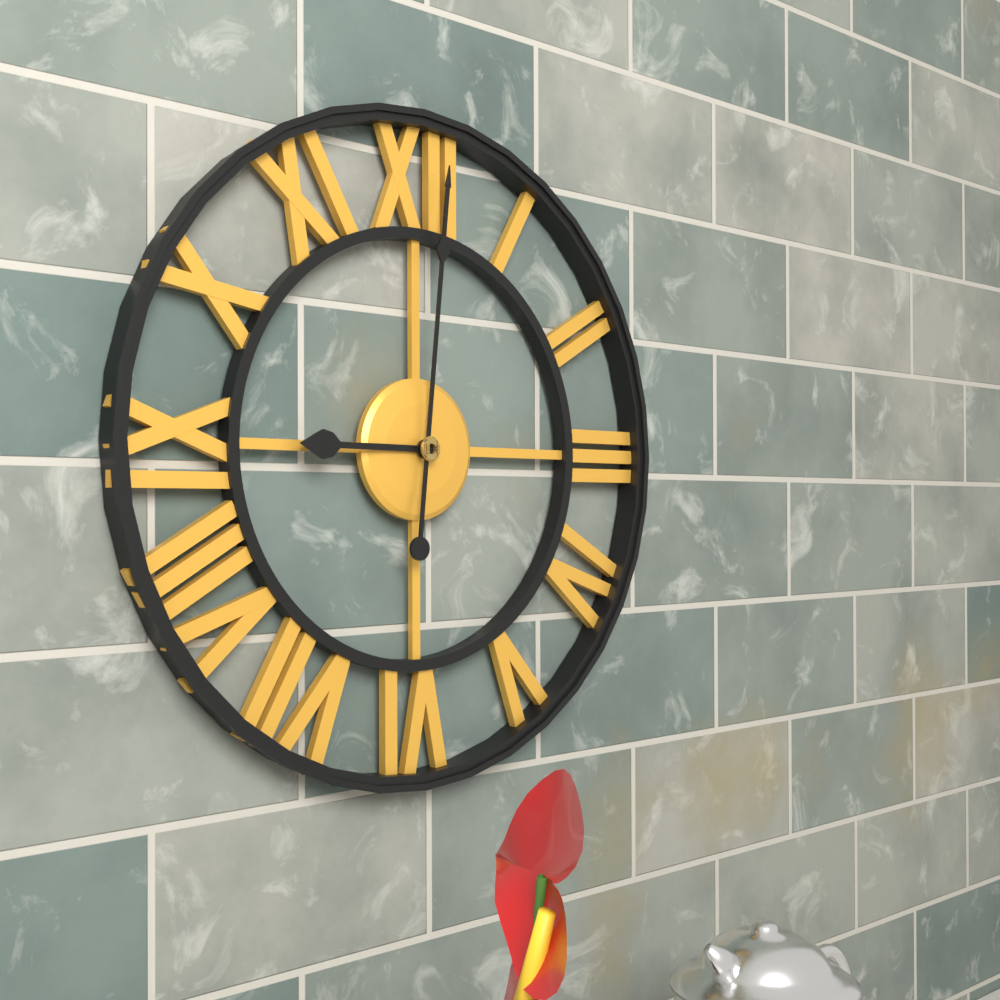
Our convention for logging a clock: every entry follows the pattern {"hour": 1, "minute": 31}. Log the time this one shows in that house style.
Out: {"hour": 9, "minute": 1}
